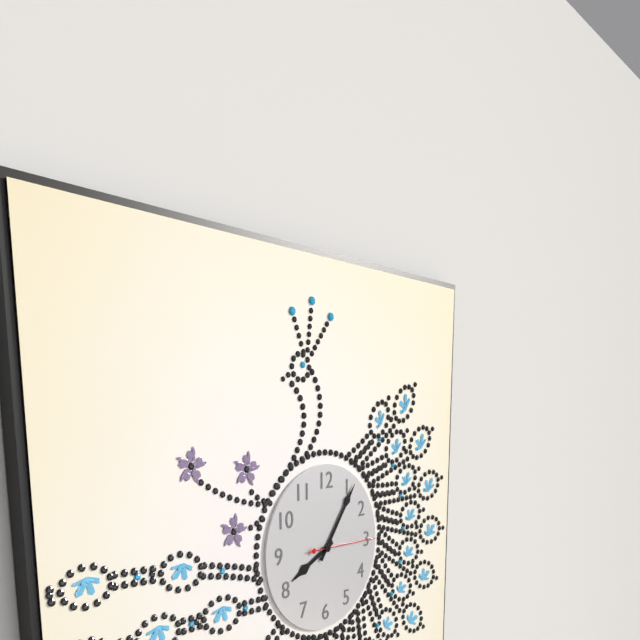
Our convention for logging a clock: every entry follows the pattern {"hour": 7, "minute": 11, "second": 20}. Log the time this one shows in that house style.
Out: {"hour": 8, "minute": 6, "second": 15}
